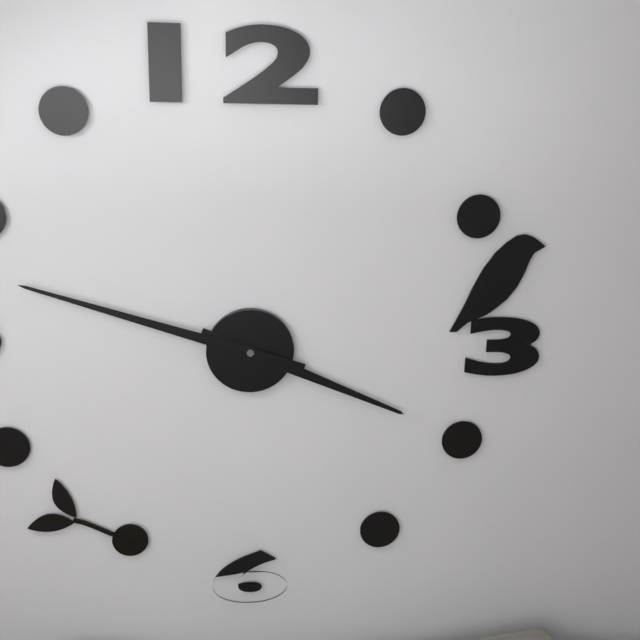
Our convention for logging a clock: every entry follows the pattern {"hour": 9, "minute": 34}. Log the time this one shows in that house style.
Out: {"hour": 3, "minute": 48}
